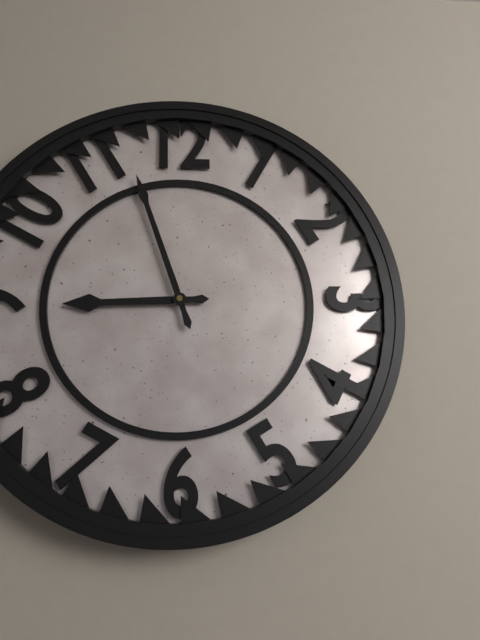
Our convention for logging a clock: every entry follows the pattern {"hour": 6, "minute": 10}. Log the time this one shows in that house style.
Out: {"hour": 8, "minute": 57}
